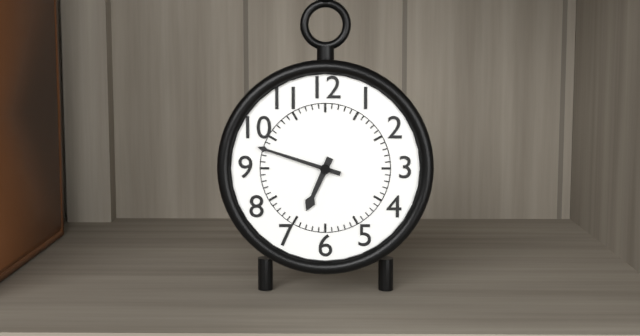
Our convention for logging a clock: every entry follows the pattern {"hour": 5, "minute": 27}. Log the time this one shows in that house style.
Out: {"hour": 6, "minute": 48}
